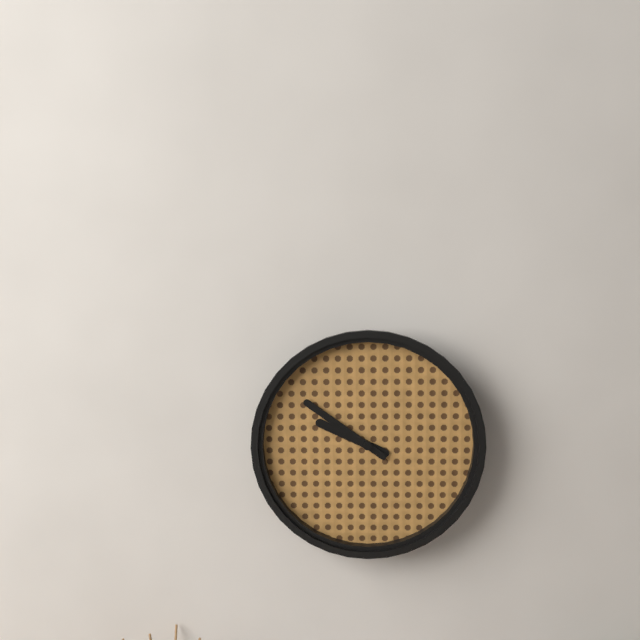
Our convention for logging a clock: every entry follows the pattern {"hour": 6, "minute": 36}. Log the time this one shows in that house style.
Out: {"hour": 9, "minute": 51}
